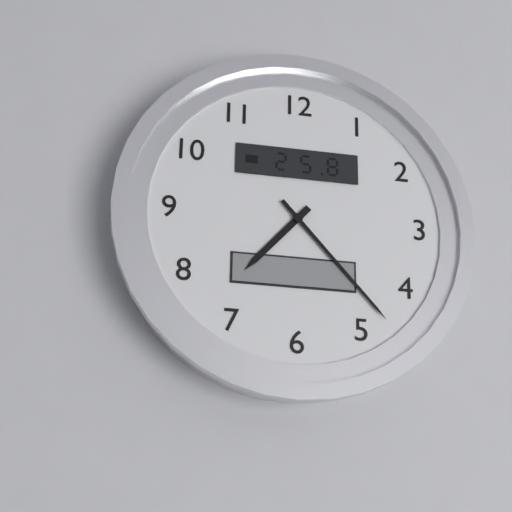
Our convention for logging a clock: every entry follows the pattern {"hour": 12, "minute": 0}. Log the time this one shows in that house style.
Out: {"hour": 7, "minute": 23}
